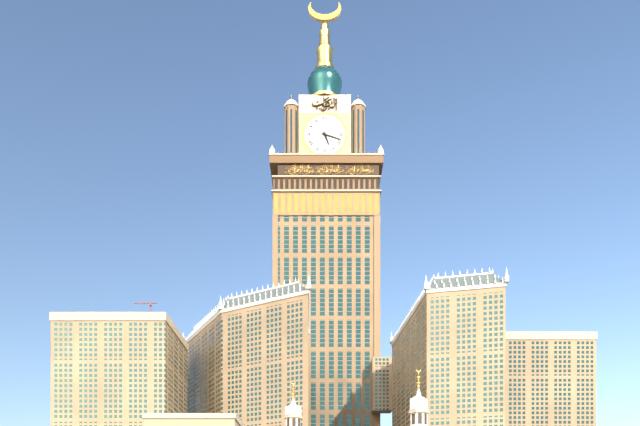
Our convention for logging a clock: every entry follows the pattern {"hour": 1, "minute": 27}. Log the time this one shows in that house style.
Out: {"hour": 5, "minute": 18}
